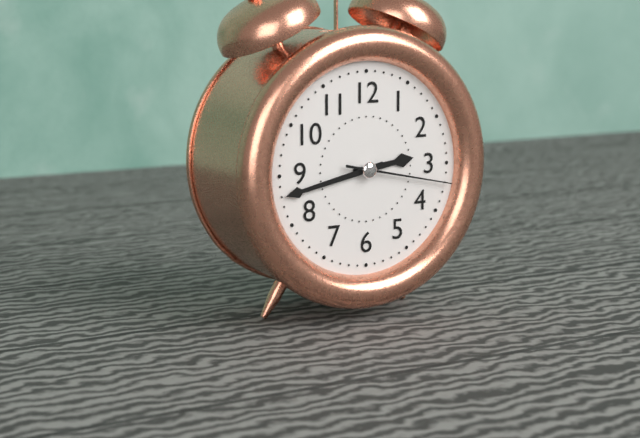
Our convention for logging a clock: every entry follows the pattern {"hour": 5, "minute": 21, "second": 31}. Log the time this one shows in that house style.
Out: {"hour": 2, "minute": 43, "second": 17}
